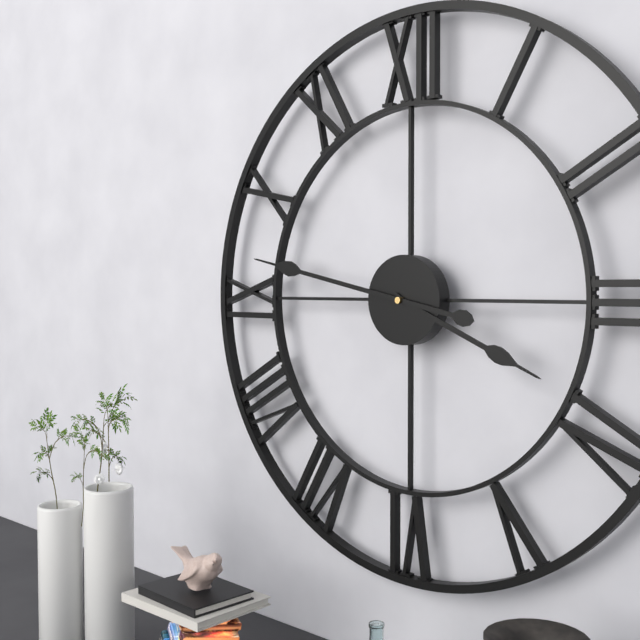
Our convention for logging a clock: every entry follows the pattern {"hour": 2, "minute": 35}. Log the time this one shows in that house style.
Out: {"hour": 3, "minute": 47}
